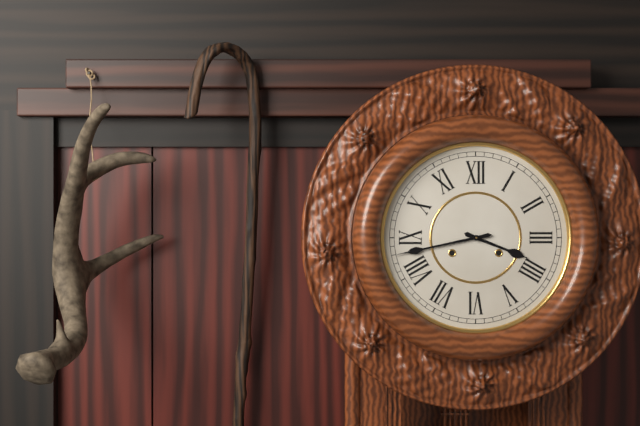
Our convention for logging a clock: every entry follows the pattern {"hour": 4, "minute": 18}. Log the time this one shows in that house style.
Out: {"hour": 3, "minute": 43}
